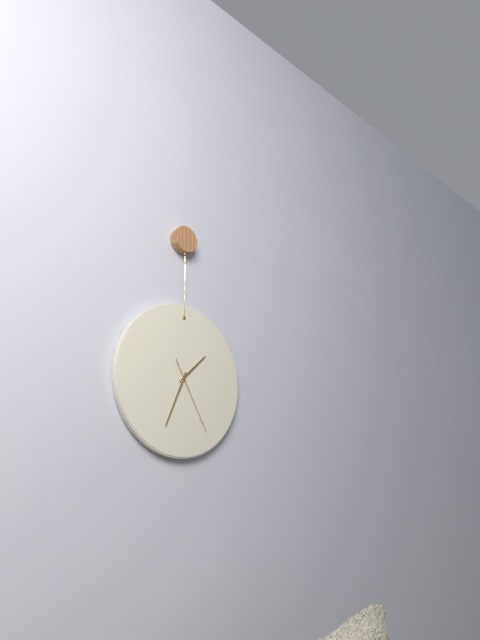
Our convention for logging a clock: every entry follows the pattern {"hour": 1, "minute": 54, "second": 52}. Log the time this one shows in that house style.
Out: {"hour": 1, "minute": 34, "second": 25}
